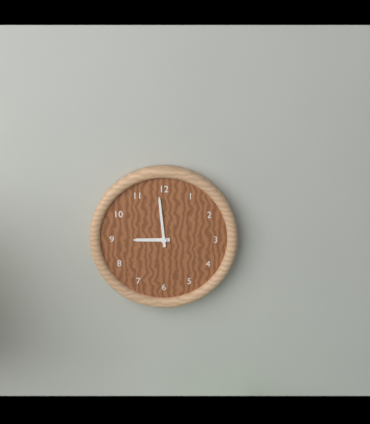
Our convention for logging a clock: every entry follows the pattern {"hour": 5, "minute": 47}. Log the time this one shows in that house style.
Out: {"hour": 8, "minute": 59}
